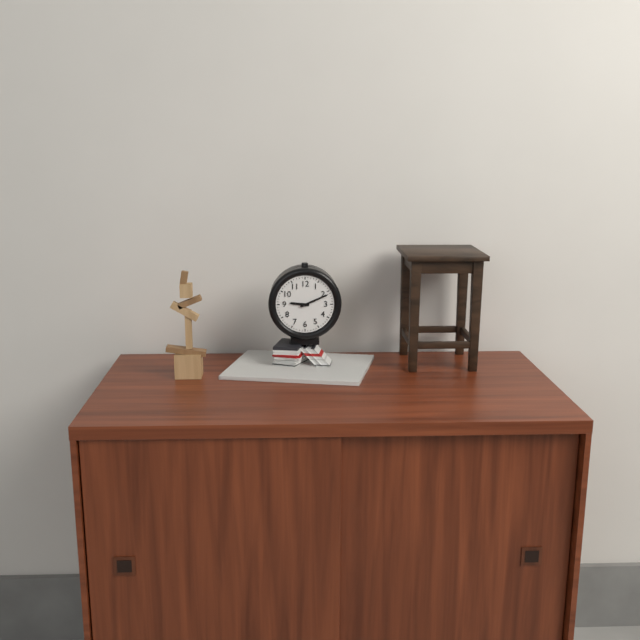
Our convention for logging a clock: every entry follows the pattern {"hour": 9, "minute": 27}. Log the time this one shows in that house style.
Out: {"hour": 9, "minute": 11}
